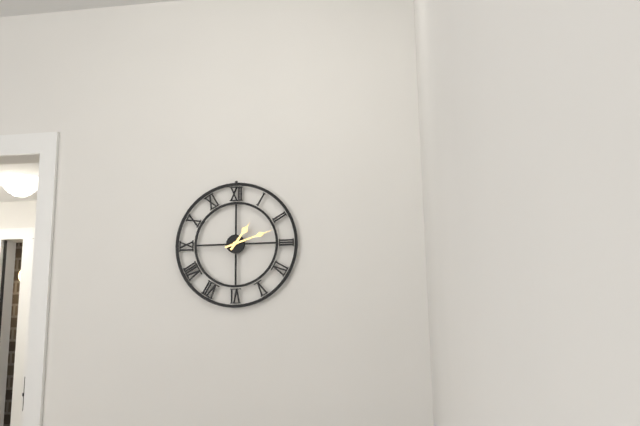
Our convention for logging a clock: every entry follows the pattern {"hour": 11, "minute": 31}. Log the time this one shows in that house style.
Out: {"hour": 1, "minute": 12}
